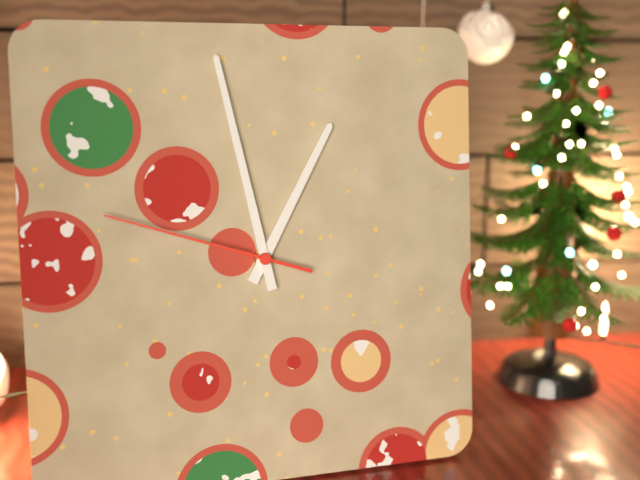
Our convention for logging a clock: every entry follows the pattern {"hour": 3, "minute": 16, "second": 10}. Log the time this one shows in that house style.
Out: {"hour": 12, "minute": 58, "second": 48}
